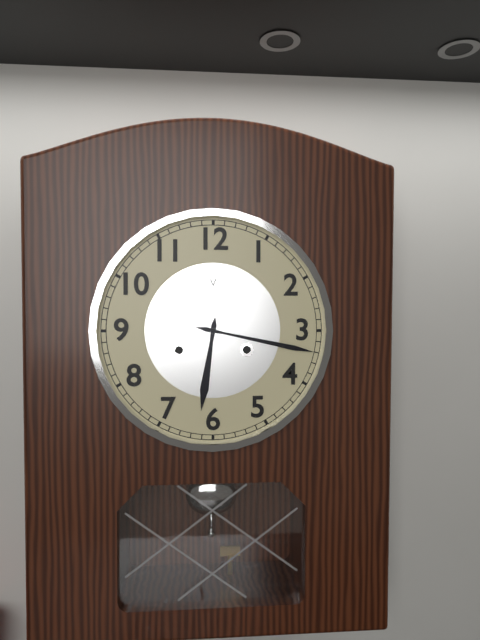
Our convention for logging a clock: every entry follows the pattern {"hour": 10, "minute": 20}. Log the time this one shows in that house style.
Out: {"hour": 6, "minute": 17}
